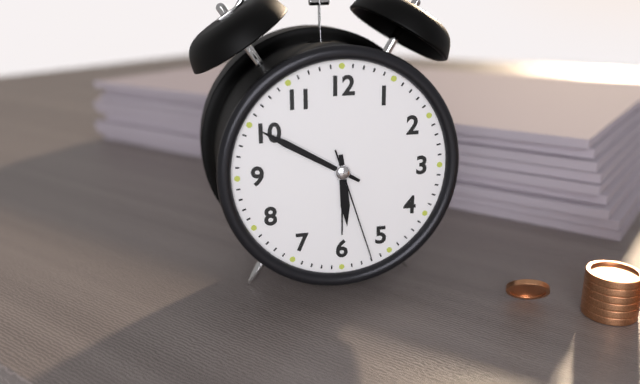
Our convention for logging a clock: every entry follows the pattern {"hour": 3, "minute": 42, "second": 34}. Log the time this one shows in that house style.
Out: {"hour": 5, "minute": 50, "second": 27}
